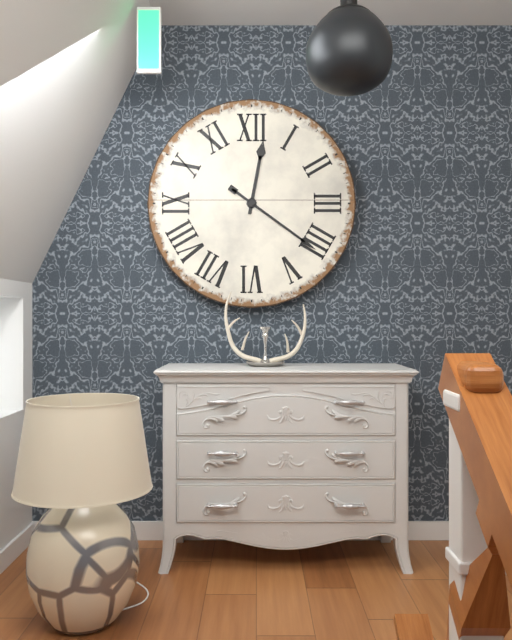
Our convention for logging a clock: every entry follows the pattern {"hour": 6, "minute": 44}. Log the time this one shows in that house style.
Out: {"hour": 12, "minute": 21}
